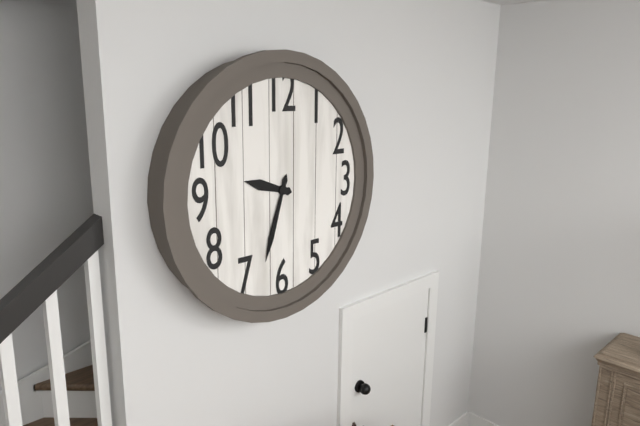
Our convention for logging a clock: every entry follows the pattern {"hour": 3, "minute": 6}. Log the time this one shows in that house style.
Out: {"hour": 9, "minute": 33}
